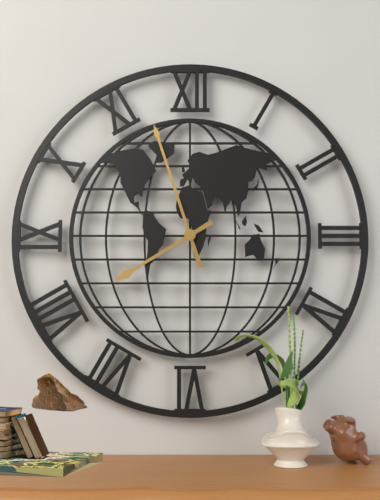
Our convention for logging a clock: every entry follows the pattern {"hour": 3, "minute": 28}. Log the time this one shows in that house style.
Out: {"hour": 7, "minute": 57}
